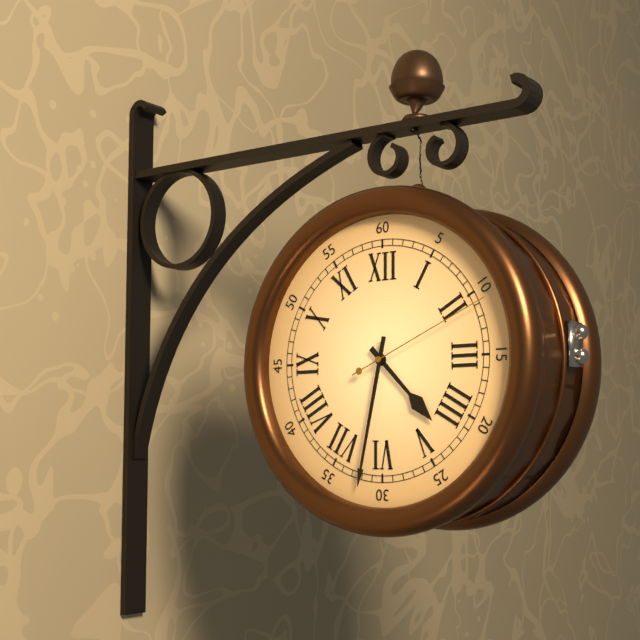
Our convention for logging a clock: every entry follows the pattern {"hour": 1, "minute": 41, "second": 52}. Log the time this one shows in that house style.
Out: {"hour": 4, "minute": 32, "second": 11}
